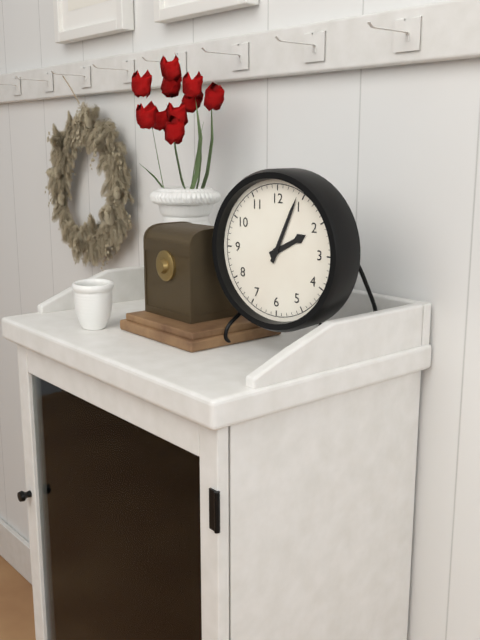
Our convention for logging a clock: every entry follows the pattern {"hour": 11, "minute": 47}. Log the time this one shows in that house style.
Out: {"hour": 2, "minute": 4}
